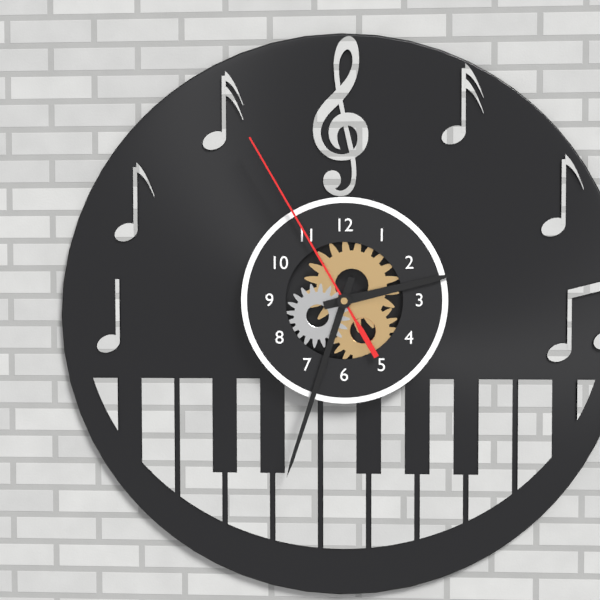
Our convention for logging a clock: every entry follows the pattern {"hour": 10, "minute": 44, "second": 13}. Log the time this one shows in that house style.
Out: {"hour": 2, "minute": 33, "second": 55}
